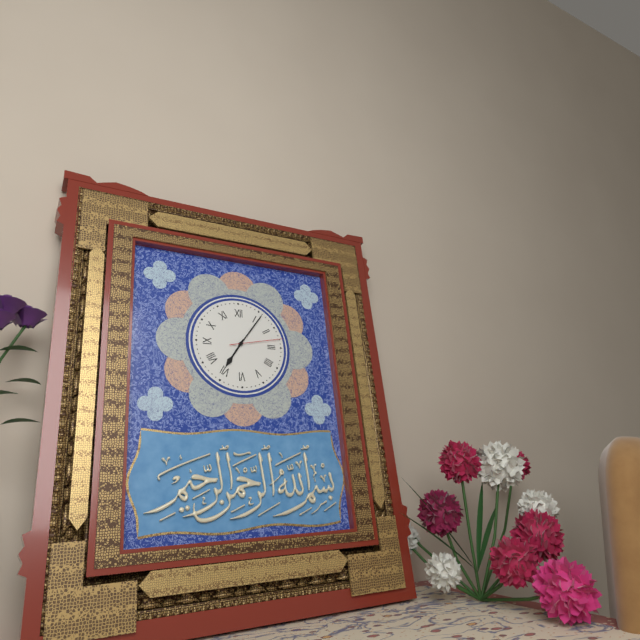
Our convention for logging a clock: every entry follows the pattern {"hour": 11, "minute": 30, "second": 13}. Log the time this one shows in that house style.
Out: {"hour": 7, "minute": 6, "second": 13}
